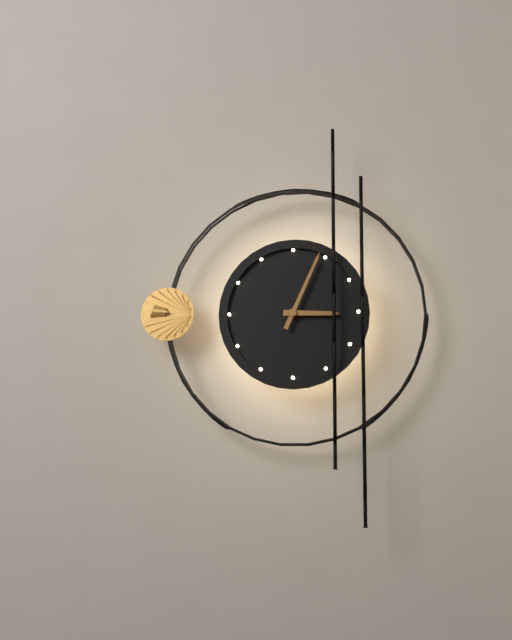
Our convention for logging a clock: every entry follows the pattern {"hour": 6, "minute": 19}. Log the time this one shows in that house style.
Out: {"hour": 3, "minute": 4}
